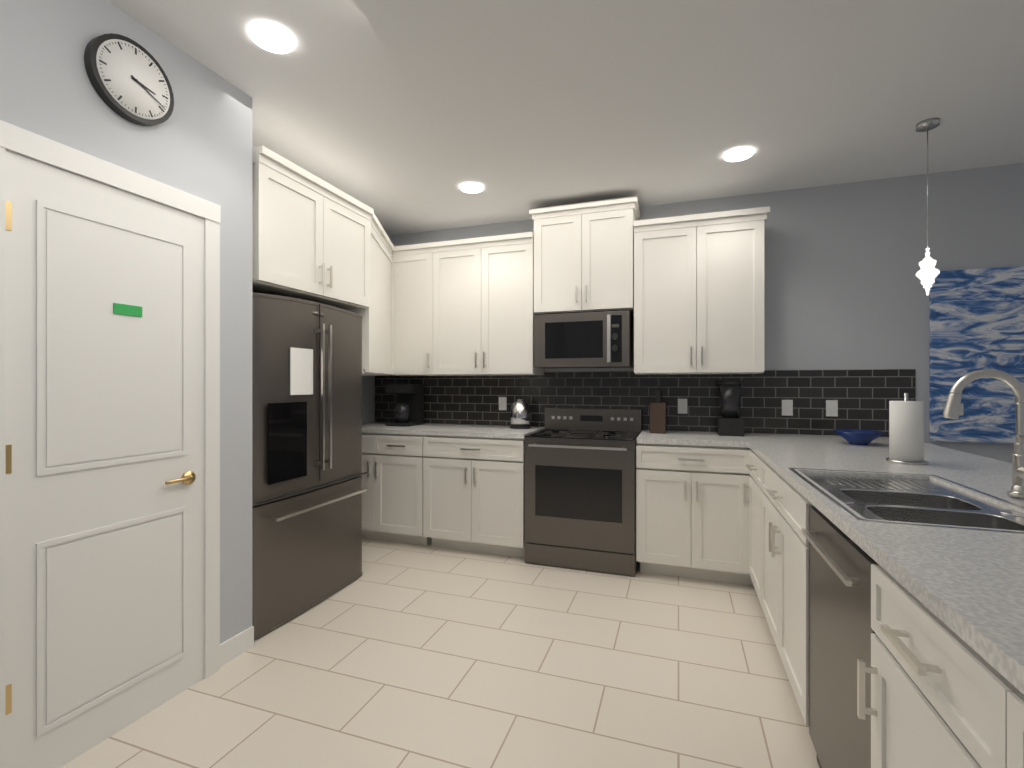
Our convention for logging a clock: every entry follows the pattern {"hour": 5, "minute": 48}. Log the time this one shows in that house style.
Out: {"hour": 3, "minute": 19}
